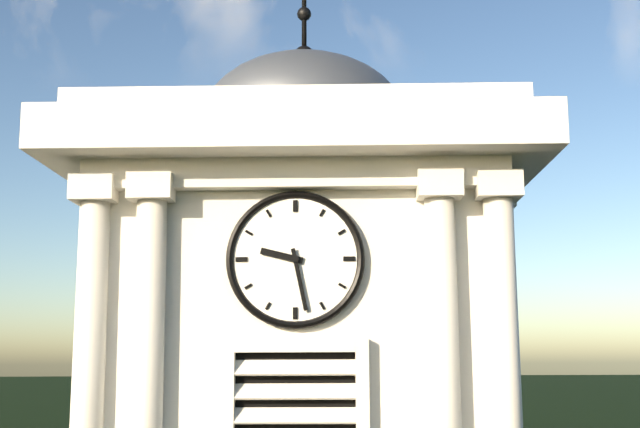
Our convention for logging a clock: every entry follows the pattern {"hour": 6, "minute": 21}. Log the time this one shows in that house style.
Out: {"hour": 9, "minute": 28}
